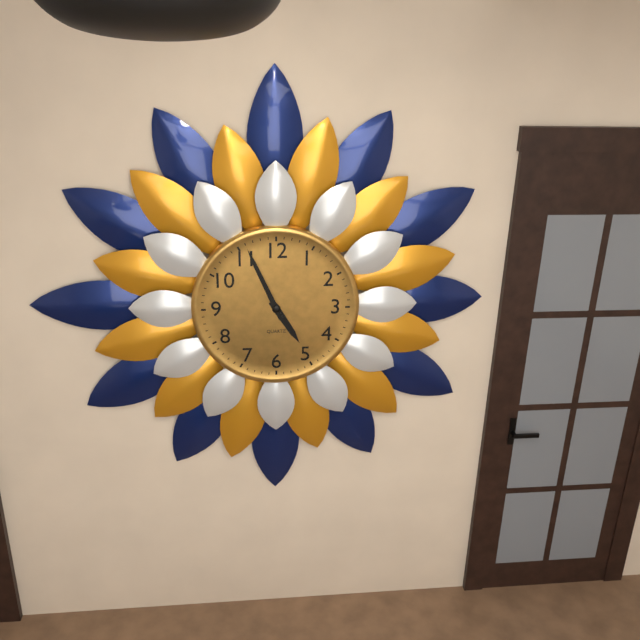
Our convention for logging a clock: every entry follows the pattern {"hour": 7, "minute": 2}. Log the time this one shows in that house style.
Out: {"hour": 4, "minute": 56}
